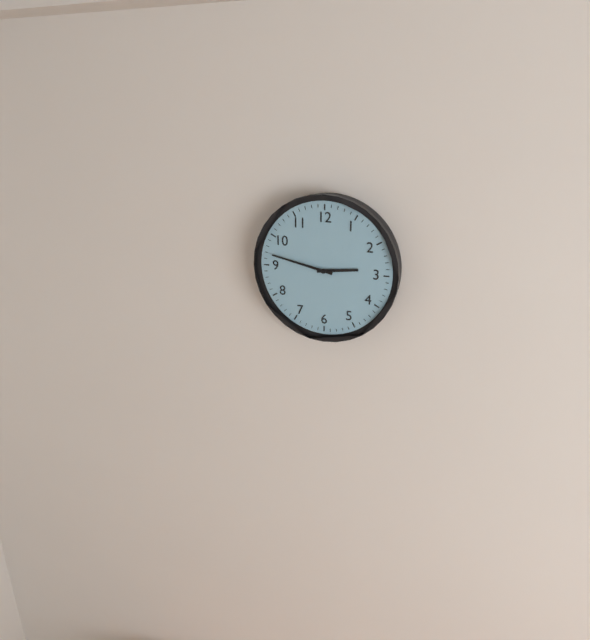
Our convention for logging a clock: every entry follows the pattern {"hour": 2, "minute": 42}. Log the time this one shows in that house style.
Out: {"hour": 2, "minute": 47}
